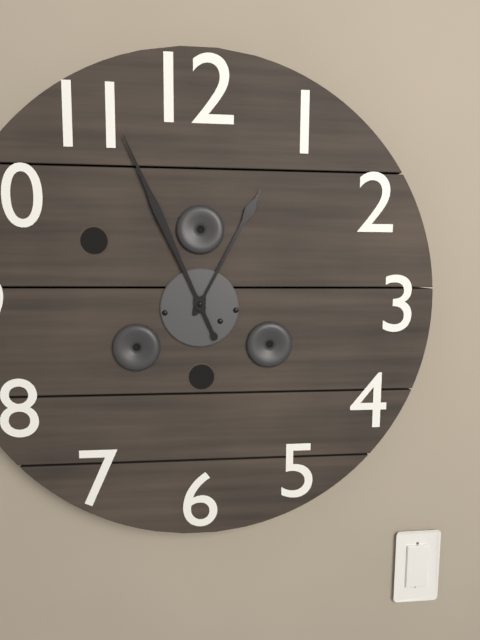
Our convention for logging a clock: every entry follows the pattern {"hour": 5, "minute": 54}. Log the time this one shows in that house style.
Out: {"hour": 12, "minute": 56}
